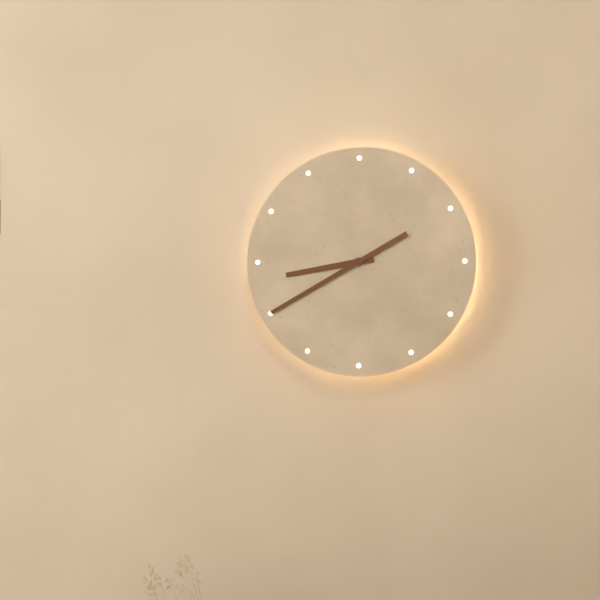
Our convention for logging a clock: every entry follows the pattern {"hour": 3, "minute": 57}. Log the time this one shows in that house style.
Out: {"hour": 8, "minute": 40}
